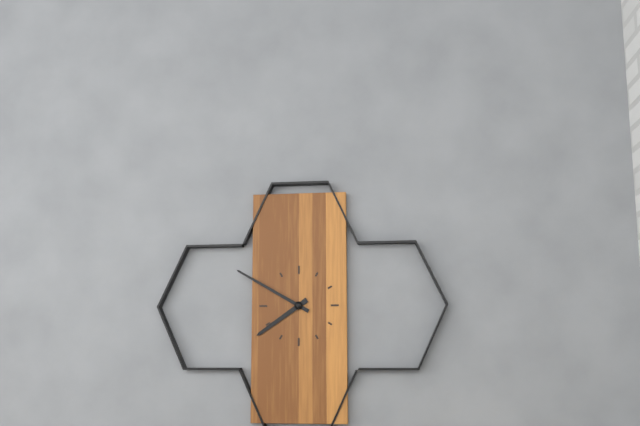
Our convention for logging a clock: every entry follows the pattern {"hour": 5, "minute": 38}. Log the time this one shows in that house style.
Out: {"hour": 7, "minute": 50}
